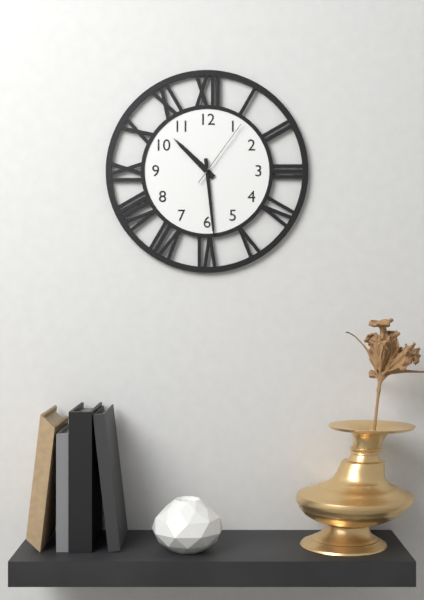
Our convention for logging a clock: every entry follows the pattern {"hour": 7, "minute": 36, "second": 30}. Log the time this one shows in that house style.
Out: {"hour": 10, "minute": 29, "second": 6}
